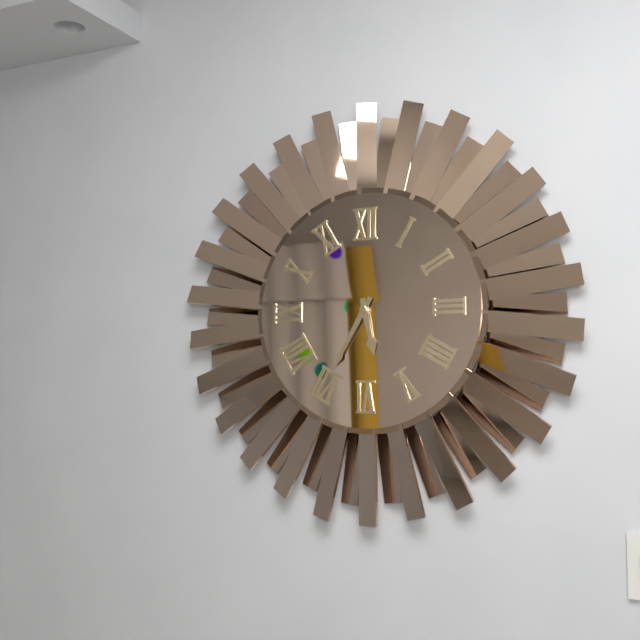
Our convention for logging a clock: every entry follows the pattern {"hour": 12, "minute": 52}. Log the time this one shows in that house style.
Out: {"hour": 5, "minute": 35}
